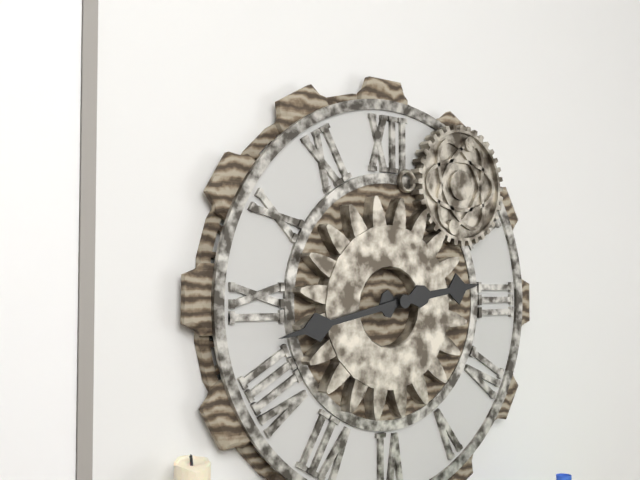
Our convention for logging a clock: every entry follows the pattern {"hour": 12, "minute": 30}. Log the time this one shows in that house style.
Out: {"hour": 2, "minute": 43}
